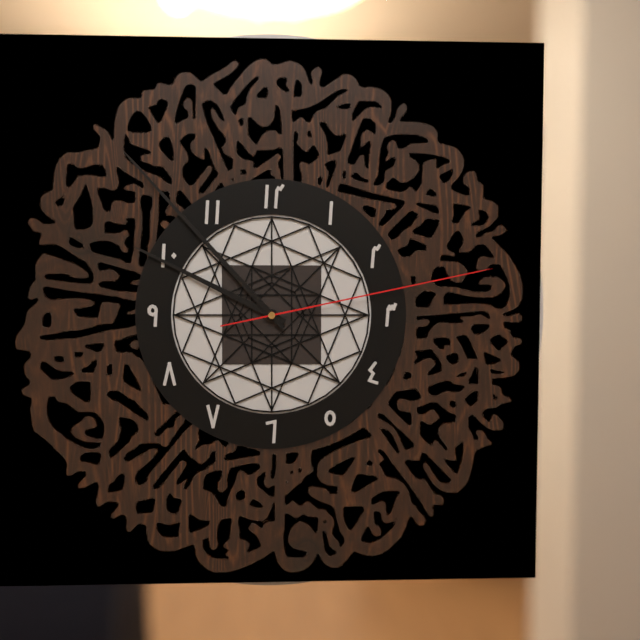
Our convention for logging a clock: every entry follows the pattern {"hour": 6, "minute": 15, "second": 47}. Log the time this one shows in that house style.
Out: {"hour": 9, "minute": 53, "second": 13}
